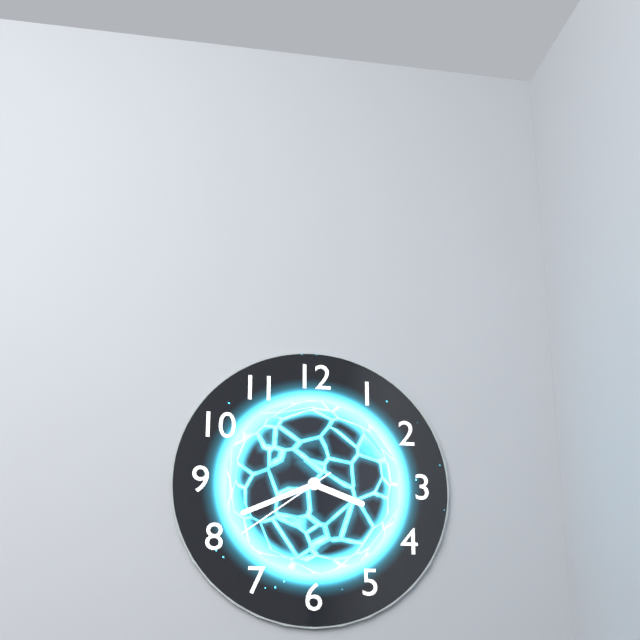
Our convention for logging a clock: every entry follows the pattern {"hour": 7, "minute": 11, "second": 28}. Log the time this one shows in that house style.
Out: {"hour": 3, "minute": 41, "second": 39}
